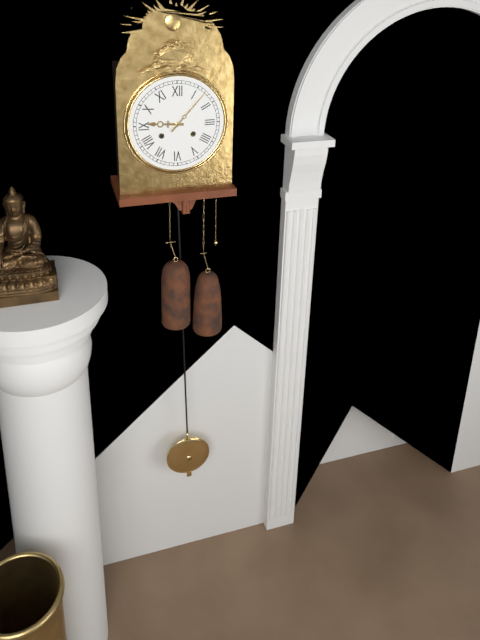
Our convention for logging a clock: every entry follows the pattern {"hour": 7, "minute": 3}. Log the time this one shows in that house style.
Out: {"hour": 9, "minute": 7}
